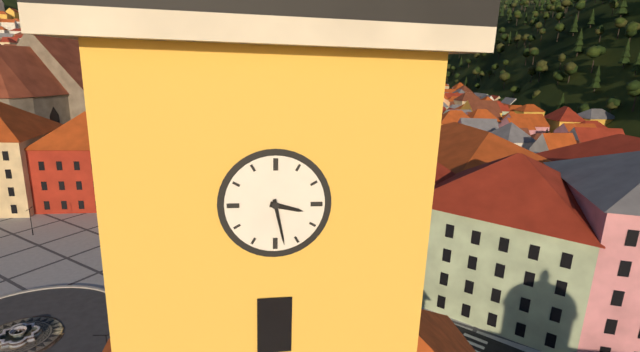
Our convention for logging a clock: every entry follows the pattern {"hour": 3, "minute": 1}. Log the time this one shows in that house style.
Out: {"hour": 3, "minute": 28}
